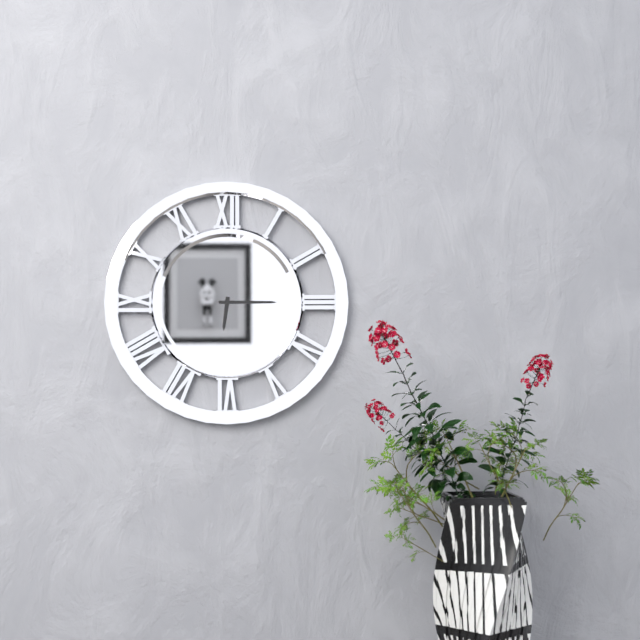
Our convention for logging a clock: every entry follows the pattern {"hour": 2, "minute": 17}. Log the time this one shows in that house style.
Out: {"hour": 6, "minute": 15}
